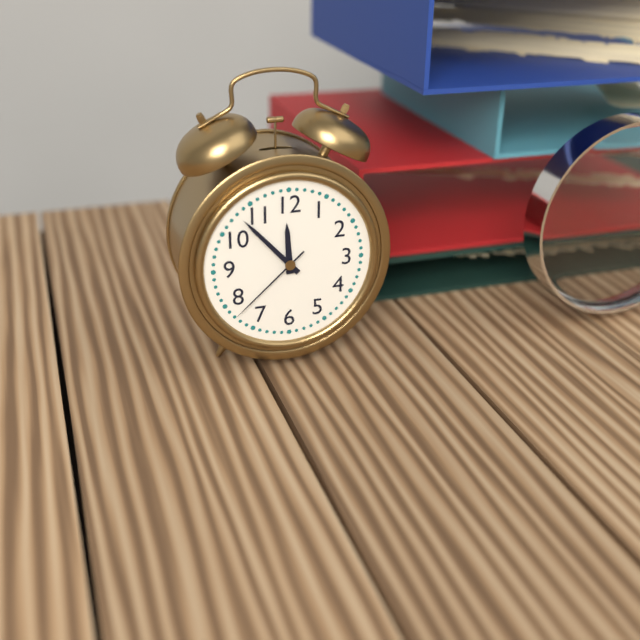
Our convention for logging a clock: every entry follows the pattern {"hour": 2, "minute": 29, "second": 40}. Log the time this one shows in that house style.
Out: {"hour": 11, "minute": 53, "second": 38}
